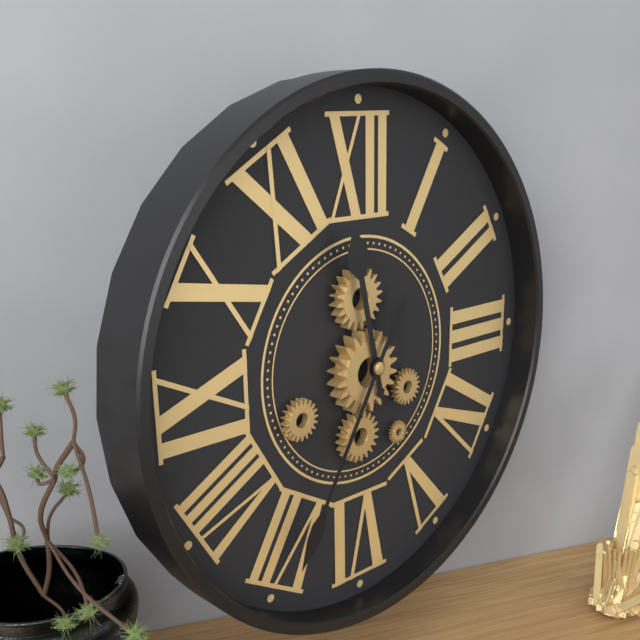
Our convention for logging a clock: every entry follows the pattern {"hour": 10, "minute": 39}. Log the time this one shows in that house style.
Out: {"hour": 11, "minute": 35}
